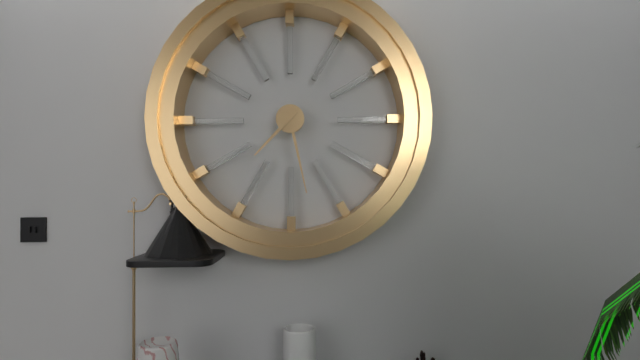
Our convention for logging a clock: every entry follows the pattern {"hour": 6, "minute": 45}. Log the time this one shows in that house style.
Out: {"hour": 7, "minute": 28}
